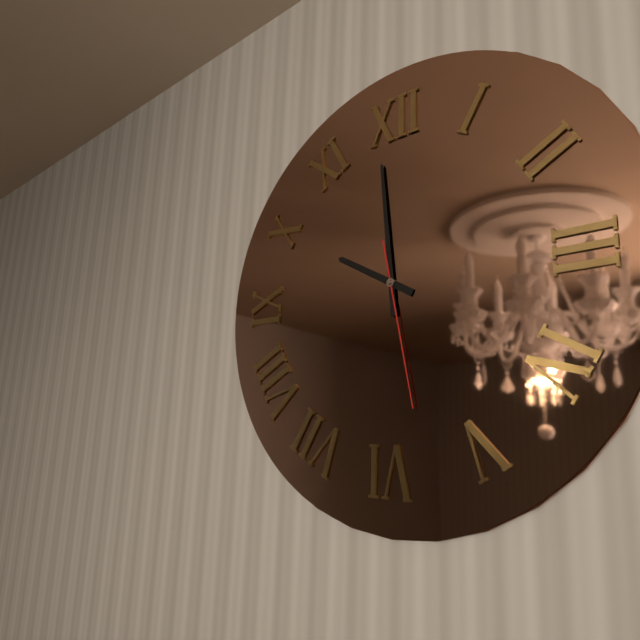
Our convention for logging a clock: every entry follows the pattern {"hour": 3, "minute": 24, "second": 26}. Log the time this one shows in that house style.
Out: {"hour": 9, "minute": 59, "second": 28}
